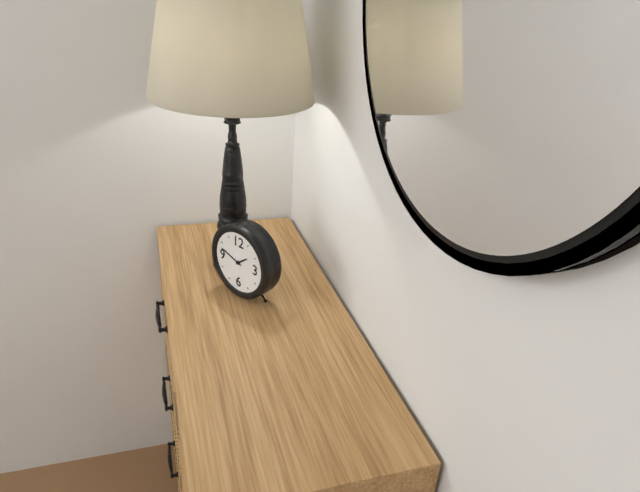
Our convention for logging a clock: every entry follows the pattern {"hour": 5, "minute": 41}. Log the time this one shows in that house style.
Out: {"hour": 1, "minute": 48}
